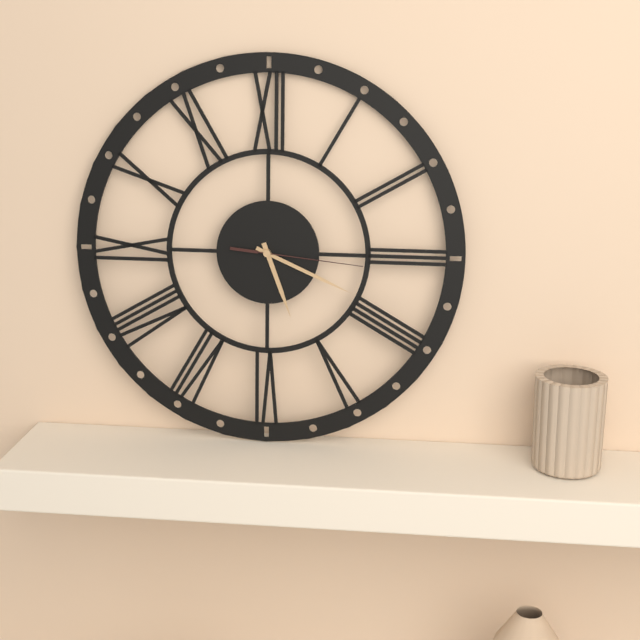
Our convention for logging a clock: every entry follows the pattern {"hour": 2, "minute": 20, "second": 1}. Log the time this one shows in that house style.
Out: {"hour": 5, "minute": 19, "second": 16}
